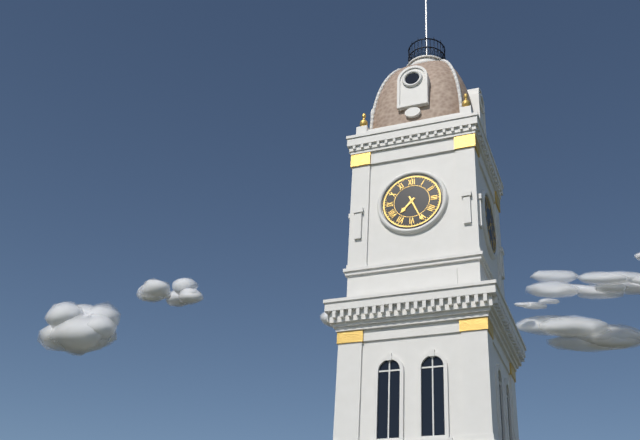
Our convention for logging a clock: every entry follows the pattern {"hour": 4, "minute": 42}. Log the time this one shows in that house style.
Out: {"hour": 7, "minute": 26}
